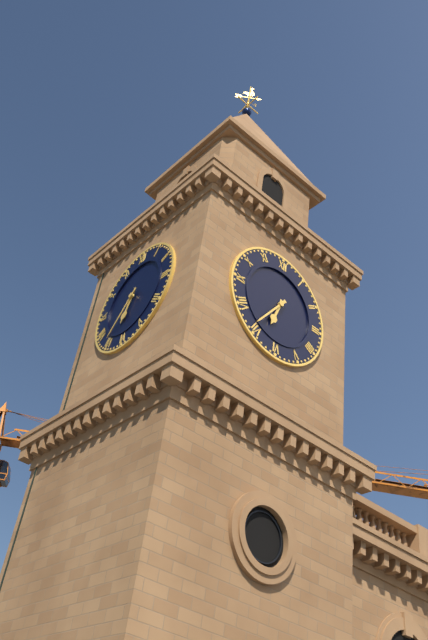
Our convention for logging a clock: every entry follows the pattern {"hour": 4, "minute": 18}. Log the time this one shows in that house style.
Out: {"hour": 6, "minute": 36}
